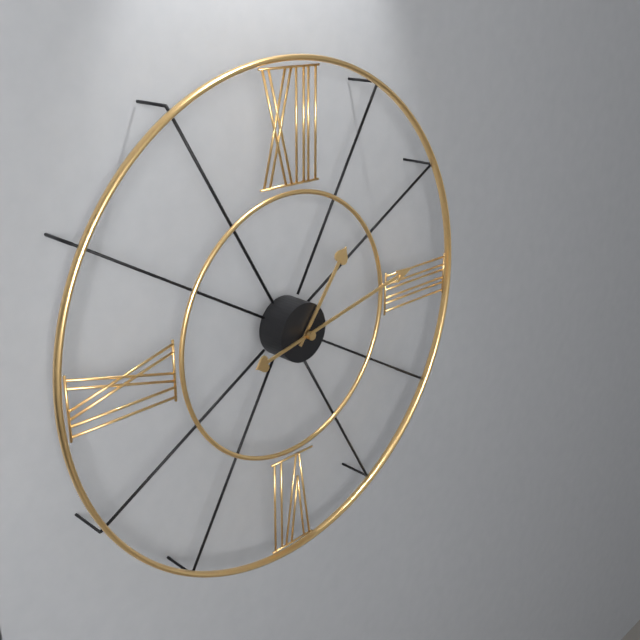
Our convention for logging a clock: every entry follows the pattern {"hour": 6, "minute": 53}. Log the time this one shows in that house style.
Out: {"hour": 1, "minute": 13}
